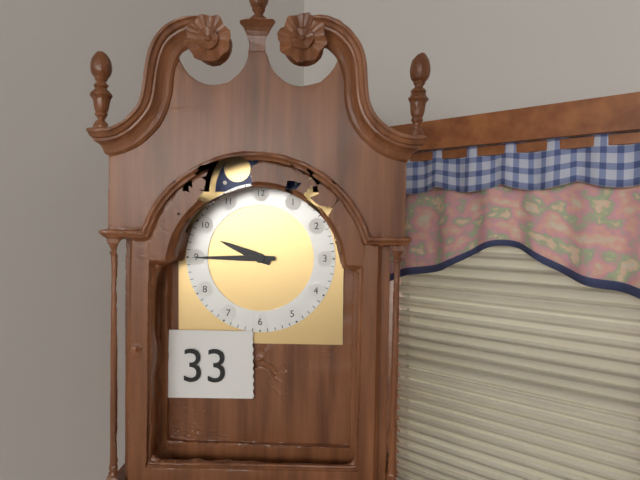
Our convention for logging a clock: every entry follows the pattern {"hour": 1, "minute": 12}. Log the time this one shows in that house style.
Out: {"hour": 9, "minute": 45}
